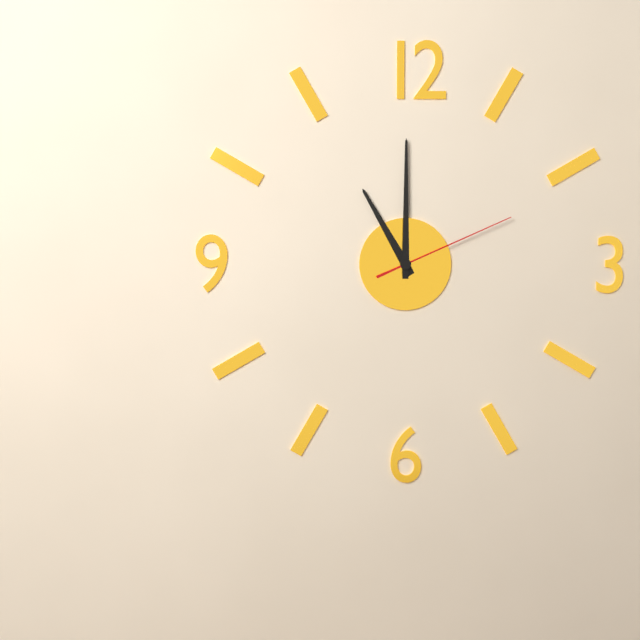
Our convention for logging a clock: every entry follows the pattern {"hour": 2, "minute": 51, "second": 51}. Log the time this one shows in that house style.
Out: {"hour": 11, "minute": 0, "second": 11}
